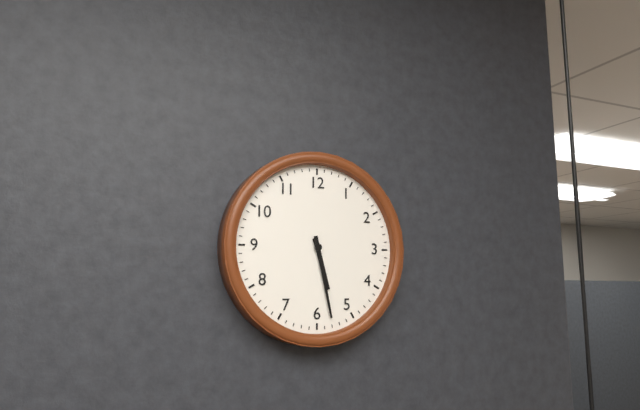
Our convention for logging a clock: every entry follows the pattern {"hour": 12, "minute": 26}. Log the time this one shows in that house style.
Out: {"hour": 5, "minute": 28}
